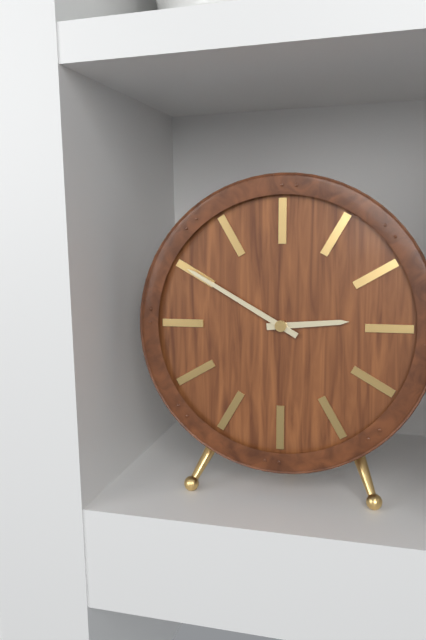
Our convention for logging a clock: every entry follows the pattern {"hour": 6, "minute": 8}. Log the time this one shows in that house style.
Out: {"hour": 2, "minute": 50}
